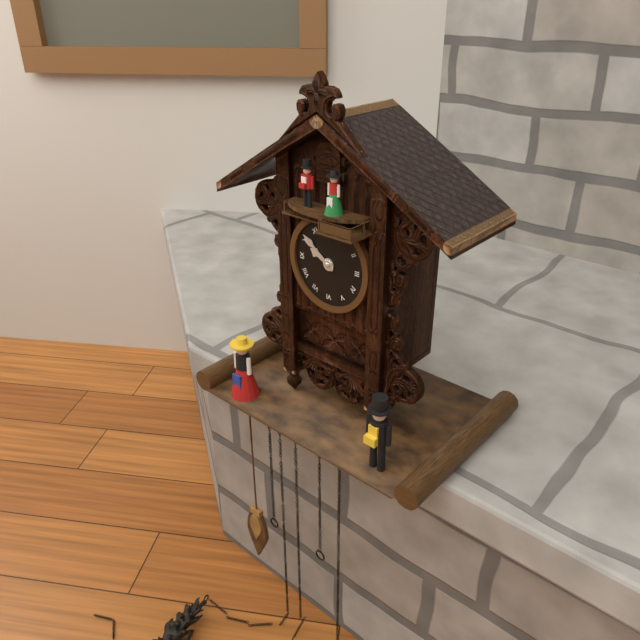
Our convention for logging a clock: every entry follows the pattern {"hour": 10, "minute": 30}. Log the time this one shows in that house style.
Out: {"hour": 9, "minute": 51}
